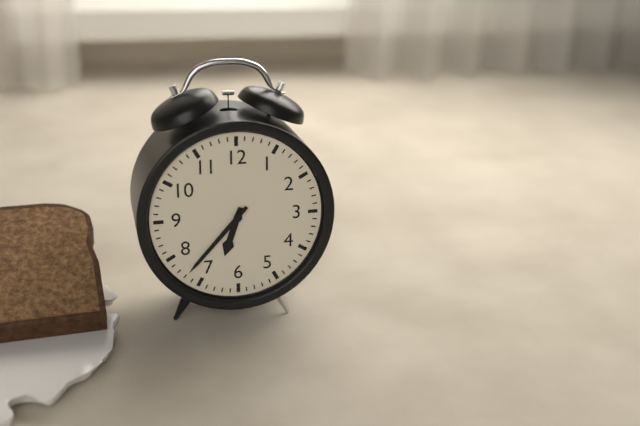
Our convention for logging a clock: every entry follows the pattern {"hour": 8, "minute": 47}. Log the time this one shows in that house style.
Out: {"hour": 6, "minute": 37}
